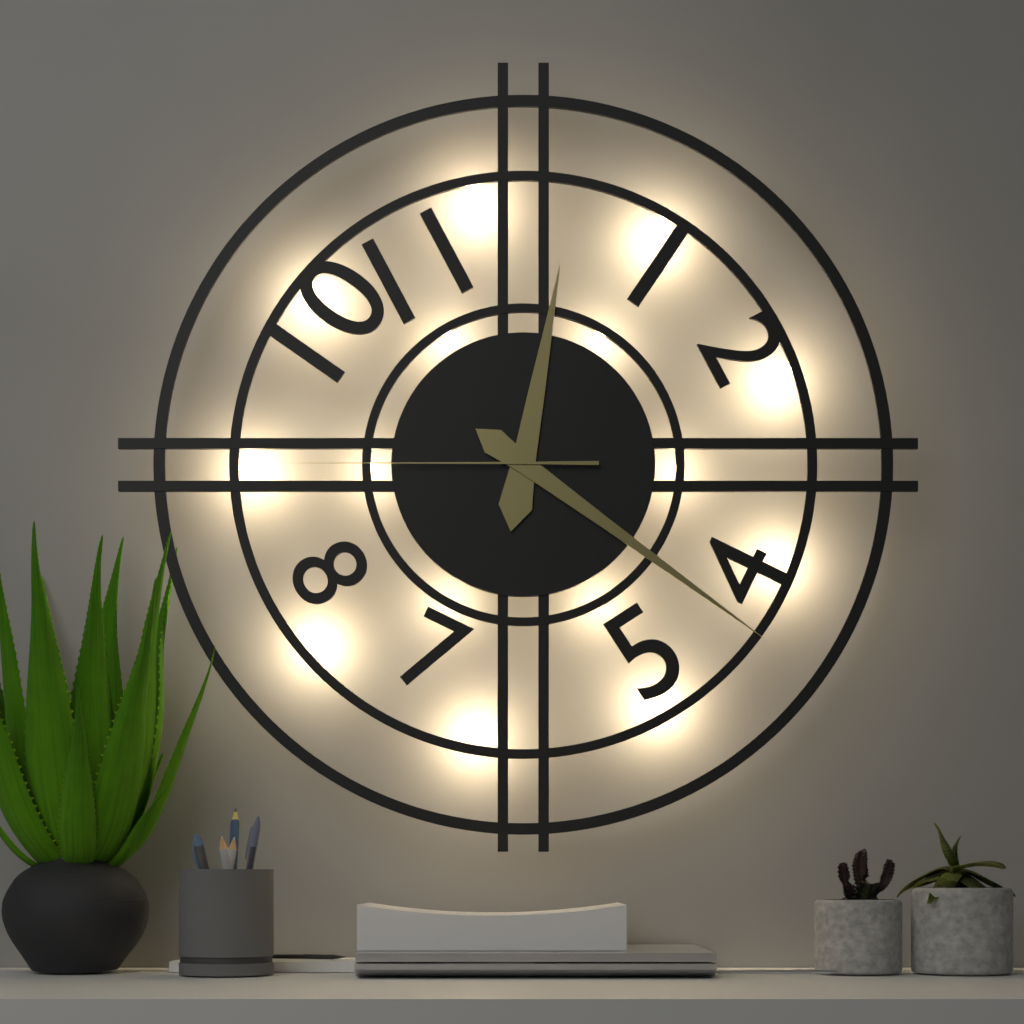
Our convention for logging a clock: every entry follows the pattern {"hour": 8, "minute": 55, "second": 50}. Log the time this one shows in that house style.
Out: {"hour": 12, "minute": 21, "second": 45}
